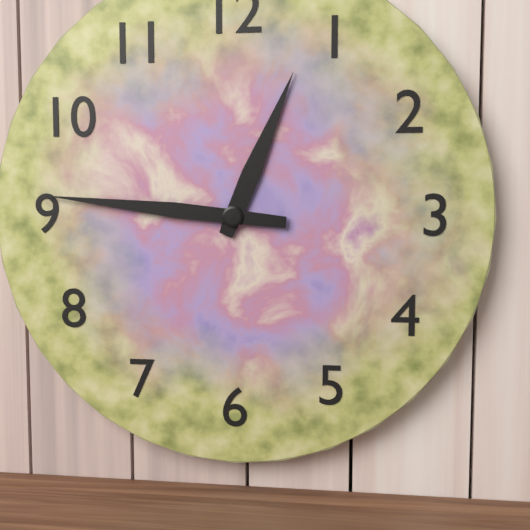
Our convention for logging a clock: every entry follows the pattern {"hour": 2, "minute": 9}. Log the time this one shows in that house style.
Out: {"hour": 12, "minute": 46}
